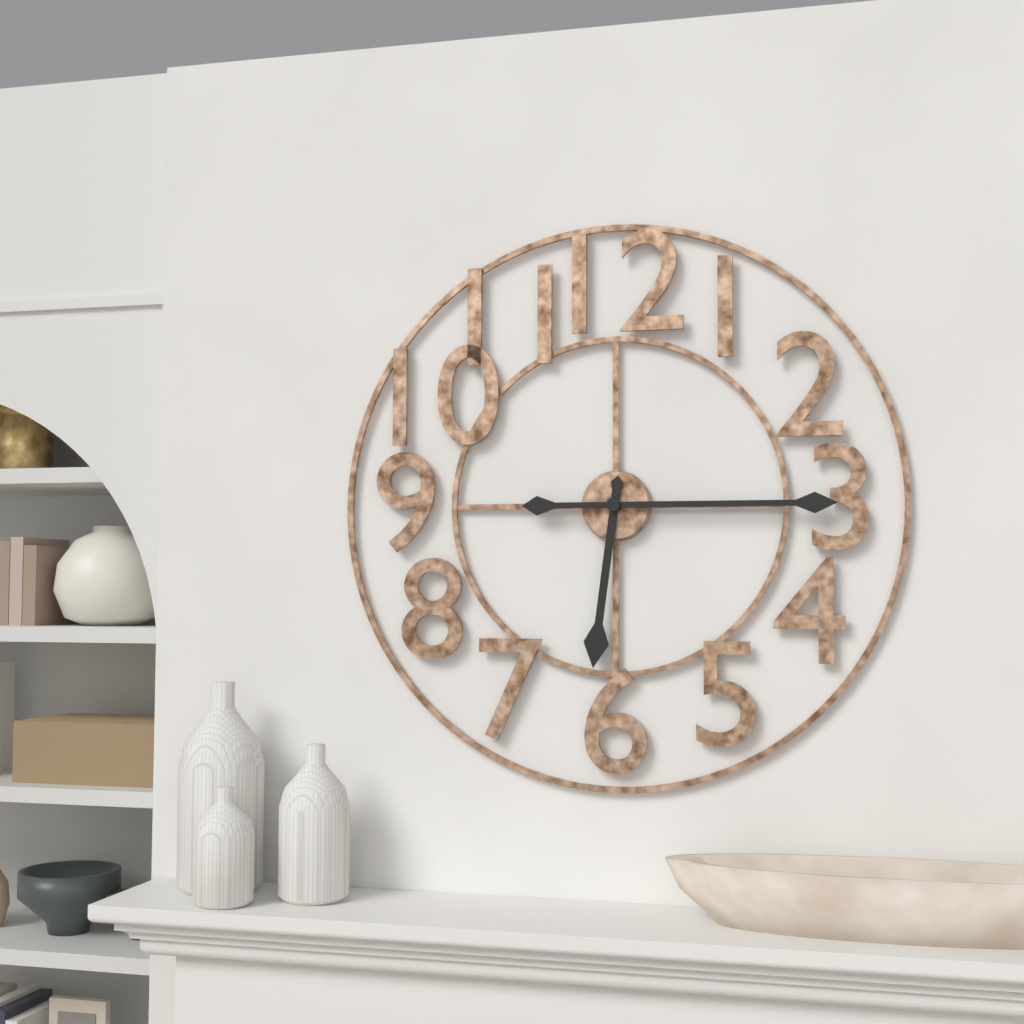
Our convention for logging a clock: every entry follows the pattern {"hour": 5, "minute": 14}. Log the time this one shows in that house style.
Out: {"hour": 6, "minute": 15}
